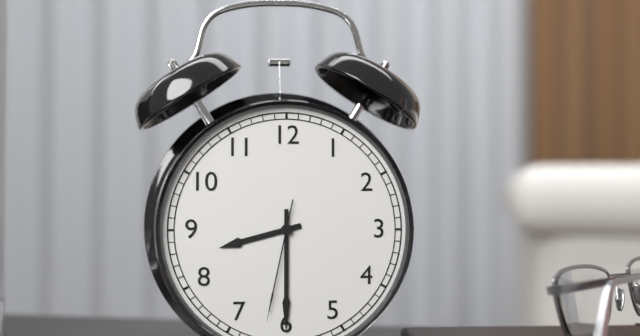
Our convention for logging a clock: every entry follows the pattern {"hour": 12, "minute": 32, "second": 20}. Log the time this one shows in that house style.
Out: {"hour": 8, "minute": 30, "second": 32}
